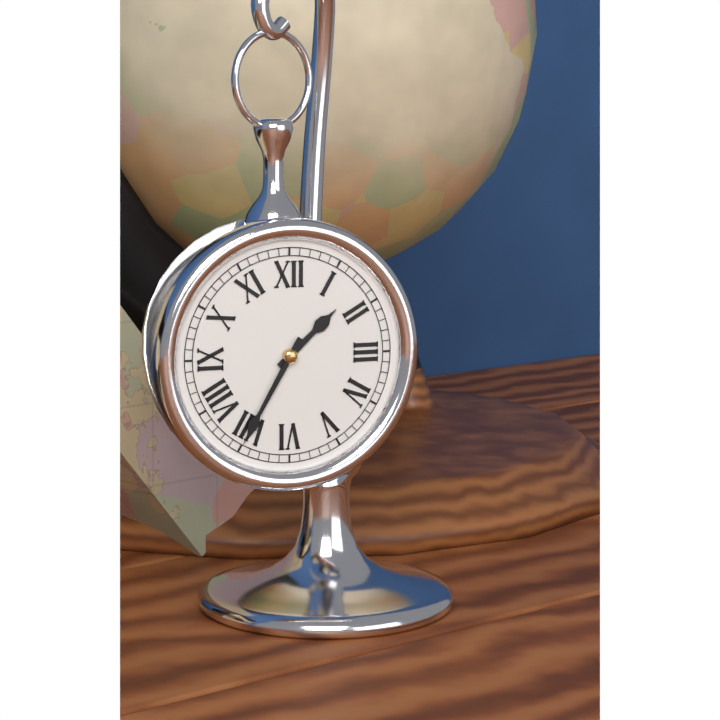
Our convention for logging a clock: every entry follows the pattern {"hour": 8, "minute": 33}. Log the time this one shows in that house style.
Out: {"hour": 1, "minute": 35}
